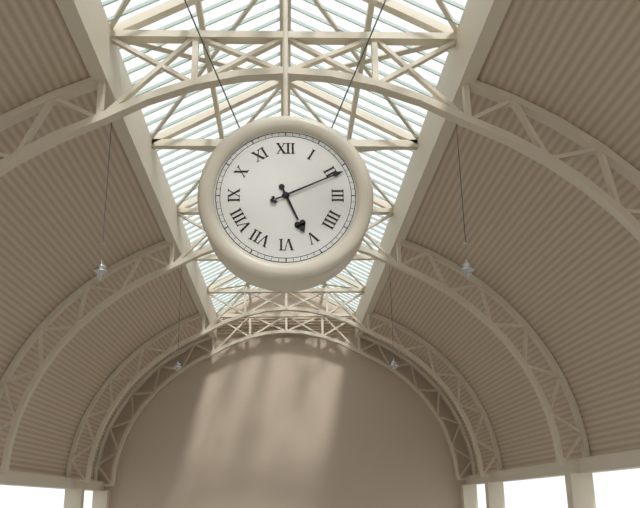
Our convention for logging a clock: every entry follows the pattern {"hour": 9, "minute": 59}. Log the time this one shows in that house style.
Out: {"hour": 5, "minute": 11}
